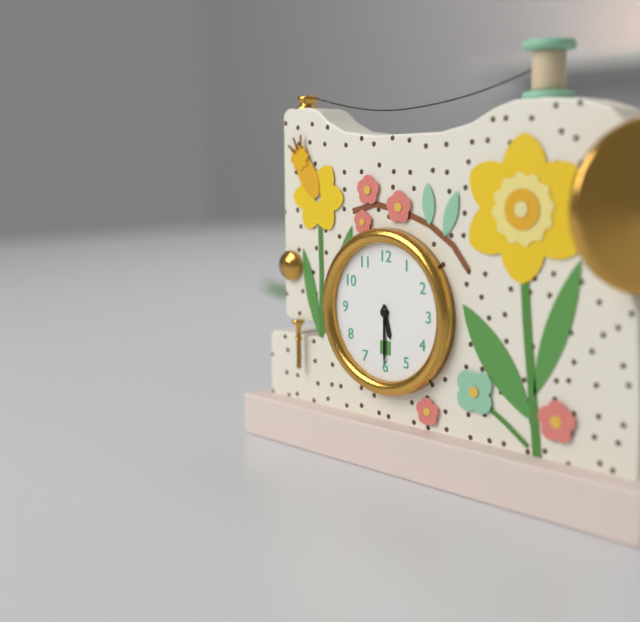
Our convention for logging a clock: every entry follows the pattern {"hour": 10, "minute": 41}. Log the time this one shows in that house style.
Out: {"hour": 5, "minute": 30}
